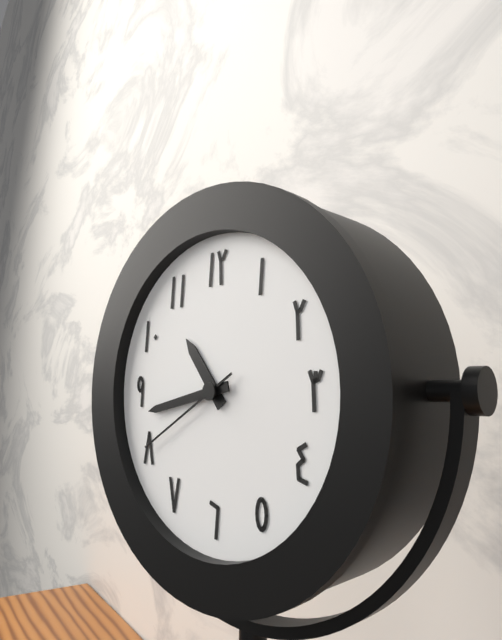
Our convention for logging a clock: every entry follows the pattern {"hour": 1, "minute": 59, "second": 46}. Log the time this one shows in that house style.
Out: {"hour": 10, "minute": 43, "second": 40}
